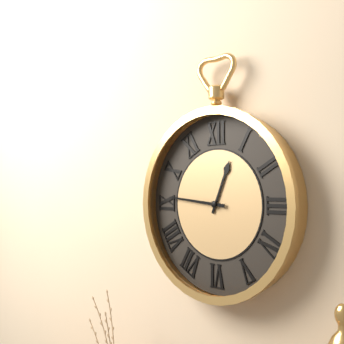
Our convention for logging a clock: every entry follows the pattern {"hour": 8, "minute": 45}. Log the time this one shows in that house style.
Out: {"hour": 12, "minute": 46}
